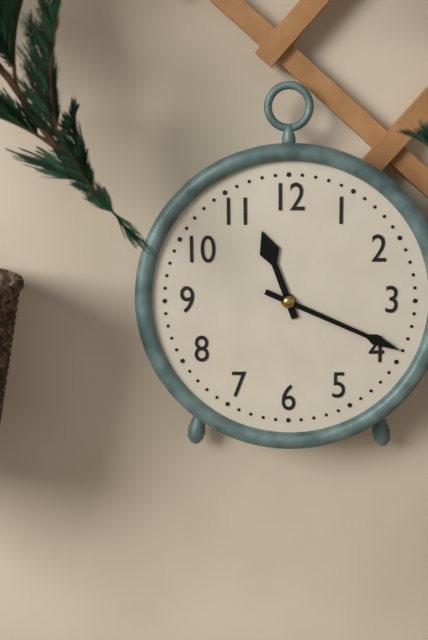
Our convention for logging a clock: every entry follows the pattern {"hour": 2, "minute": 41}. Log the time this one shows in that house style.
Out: {"hour": 11, "minute": 19}
